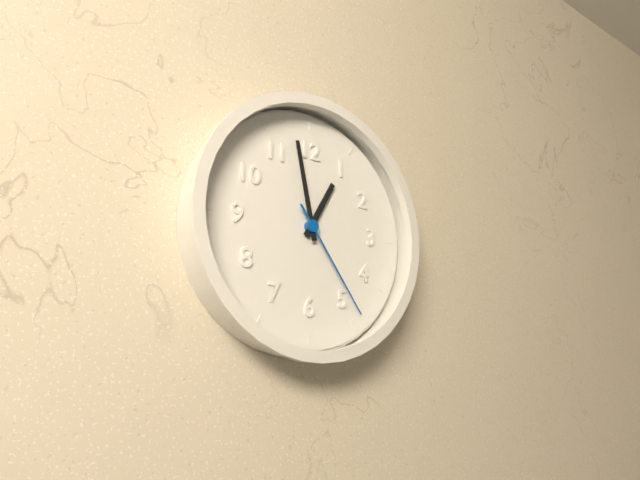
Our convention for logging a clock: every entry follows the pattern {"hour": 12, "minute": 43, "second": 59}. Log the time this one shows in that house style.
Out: {"hour": 12, "minute": 58, "second": 24}
